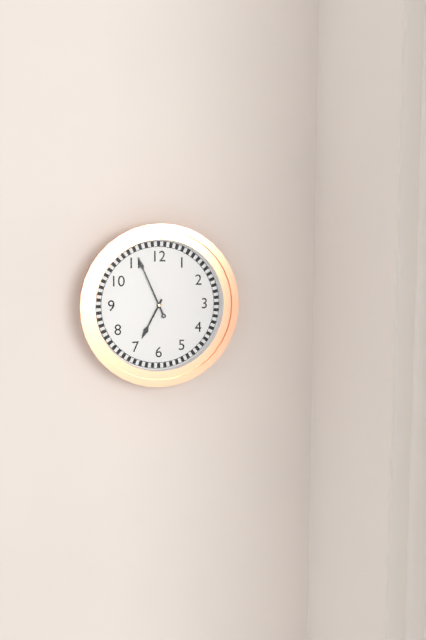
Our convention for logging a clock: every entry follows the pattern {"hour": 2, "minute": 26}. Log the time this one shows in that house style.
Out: {"hour": 6, "minute": 56}
